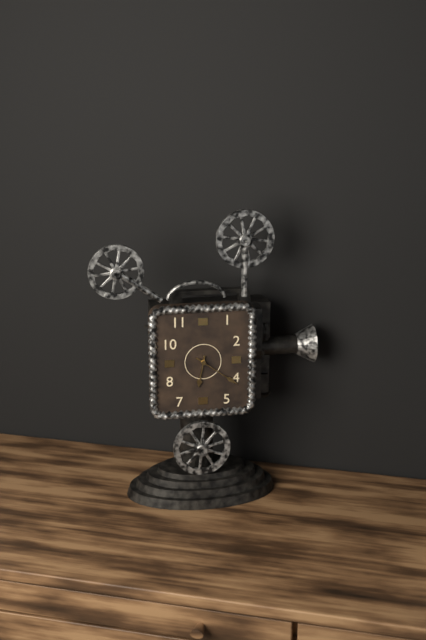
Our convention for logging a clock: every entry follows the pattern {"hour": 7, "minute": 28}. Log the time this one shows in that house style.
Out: {"hour": 6, "minute": 21}
